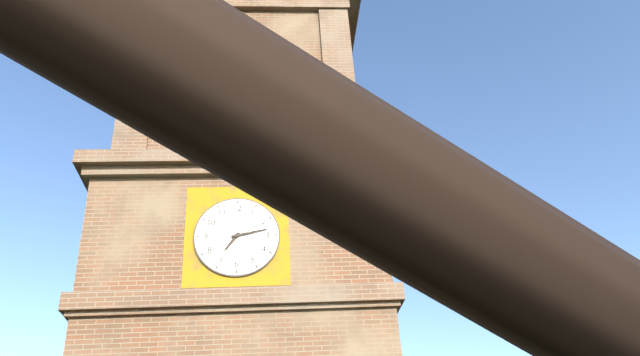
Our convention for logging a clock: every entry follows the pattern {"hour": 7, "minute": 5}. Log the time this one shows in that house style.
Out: {"hour": 7, "minute": 13}
